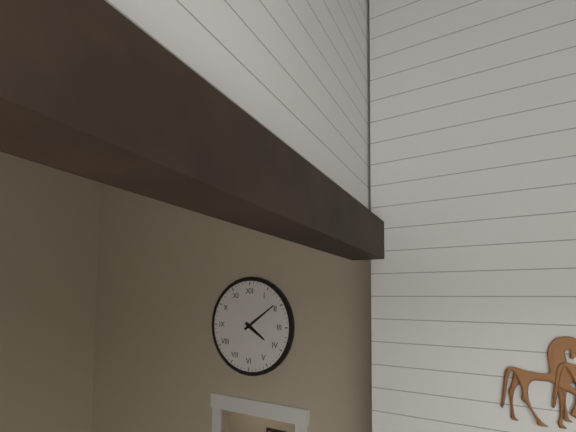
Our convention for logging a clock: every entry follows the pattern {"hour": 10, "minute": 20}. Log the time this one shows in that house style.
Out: {"hour": 4, "minute": 9}
